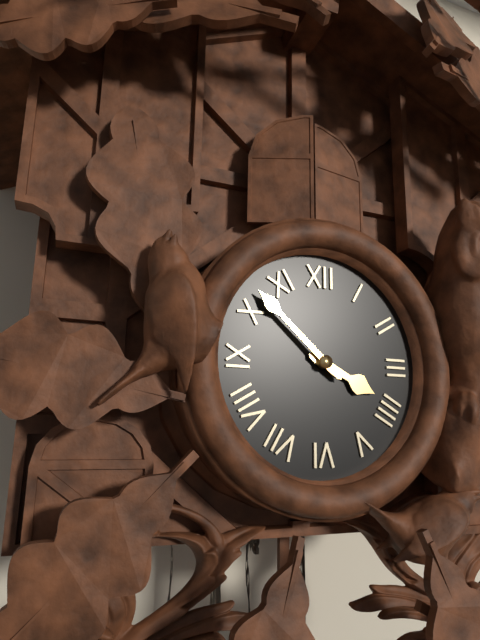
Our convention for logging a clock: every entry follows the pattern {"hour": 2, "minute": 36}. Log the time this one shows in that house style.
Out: {"hour": 3, "minute": 52}
